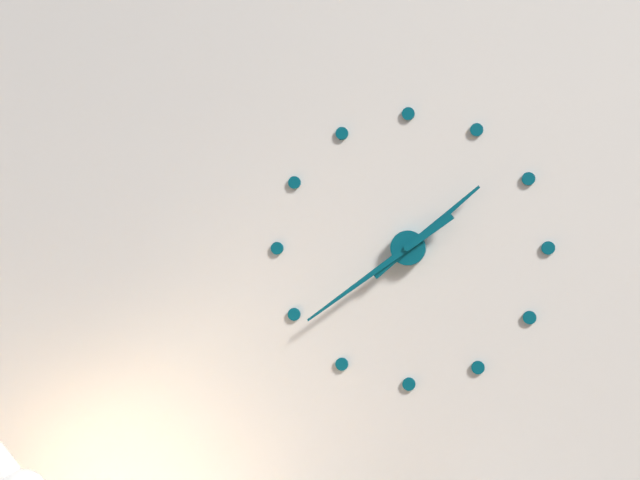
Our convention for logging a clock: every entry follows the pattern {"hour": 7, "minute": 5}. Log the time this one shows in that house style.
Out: {"hour": 1, "minute": 39}
